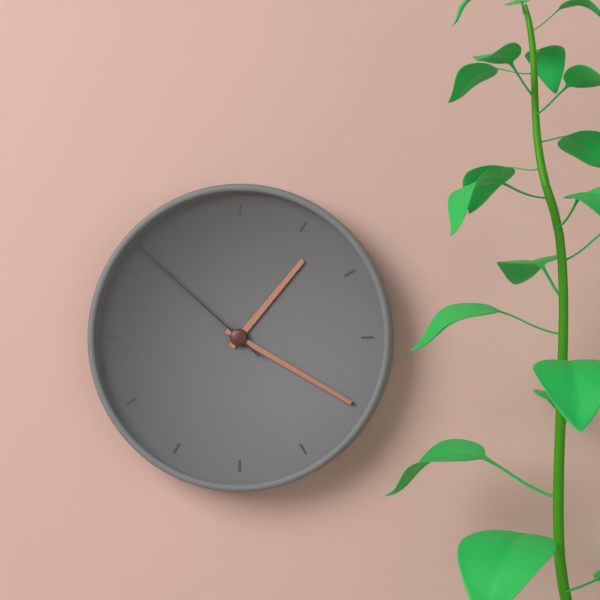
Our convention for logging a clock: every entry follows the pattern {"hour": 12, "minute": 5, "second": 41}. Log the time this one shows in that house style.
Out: {"hour": 1, "minute": 20, "second": 52}
